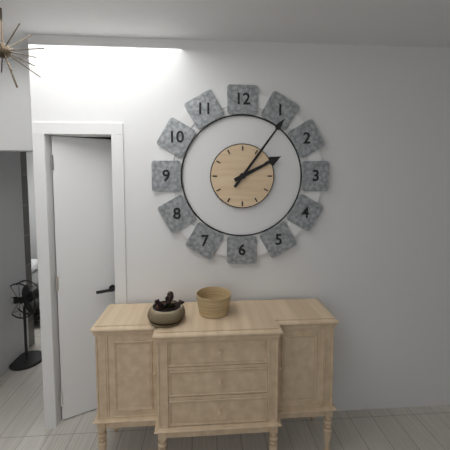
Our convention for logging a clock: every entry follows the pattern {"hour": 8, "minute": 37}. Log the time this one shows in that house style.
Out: {"hour": 2, "minute": 6}
